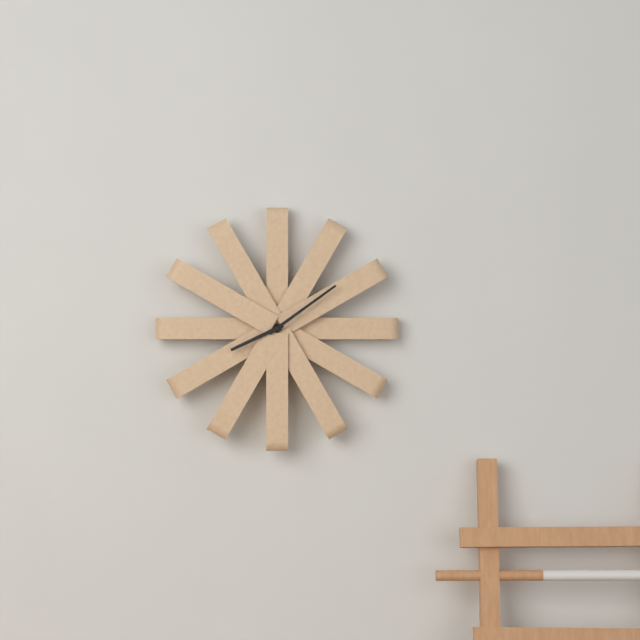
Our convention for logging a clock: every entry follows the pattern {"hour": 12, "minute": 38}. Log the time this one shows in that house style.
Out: {"hour": 8, "minute": 9}
